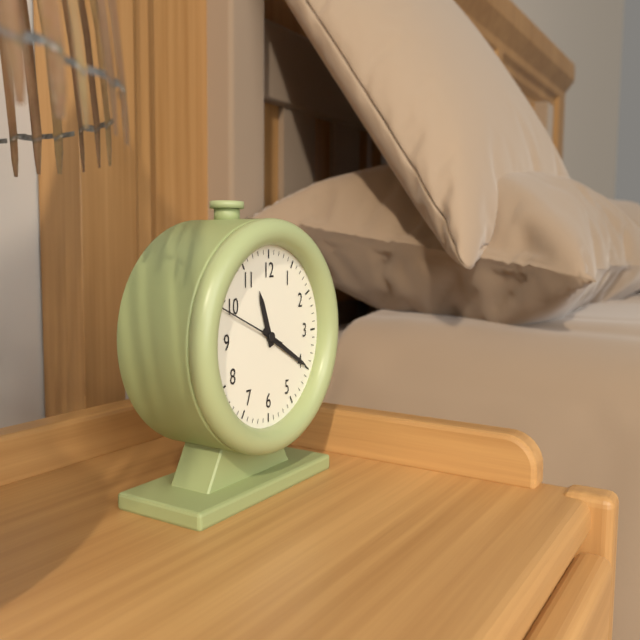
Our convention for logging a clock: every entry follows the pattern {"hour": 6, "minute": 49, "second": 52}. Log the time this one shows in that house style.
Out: {"hour": 11, "minute": 20, "second": 49}
